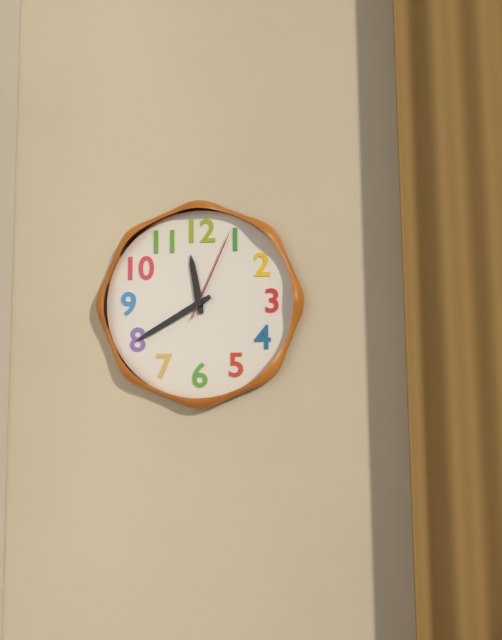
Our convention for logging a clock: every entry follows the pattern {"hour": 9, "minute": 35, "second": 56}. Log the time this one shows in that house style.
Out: {"hour": 11, "minute": 40, "second": 4}
